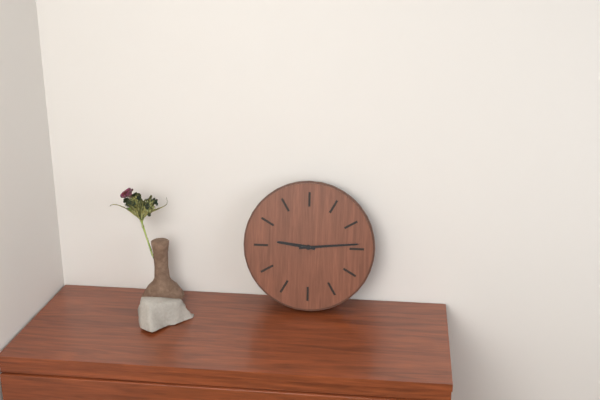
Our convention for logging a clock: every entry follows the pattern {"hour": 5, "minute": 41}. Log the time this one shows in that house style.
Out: {"hour": 9, "minute": 14}
